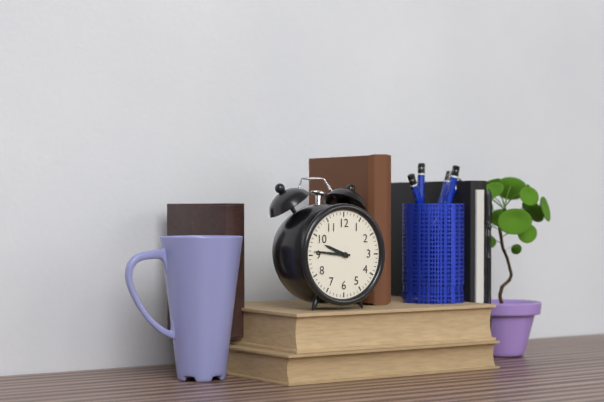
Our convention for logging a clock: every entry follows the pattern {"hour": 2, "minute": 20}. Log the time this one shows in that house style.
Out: {"hour": 9, "minute": 46}
